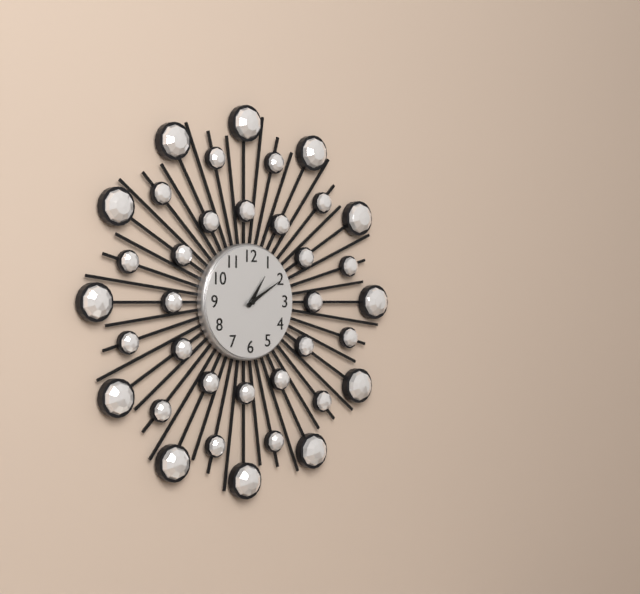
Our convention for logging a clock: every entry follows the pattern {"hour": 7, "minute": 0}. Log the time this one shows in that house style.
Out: {"hour": 1, "minute": 10}
